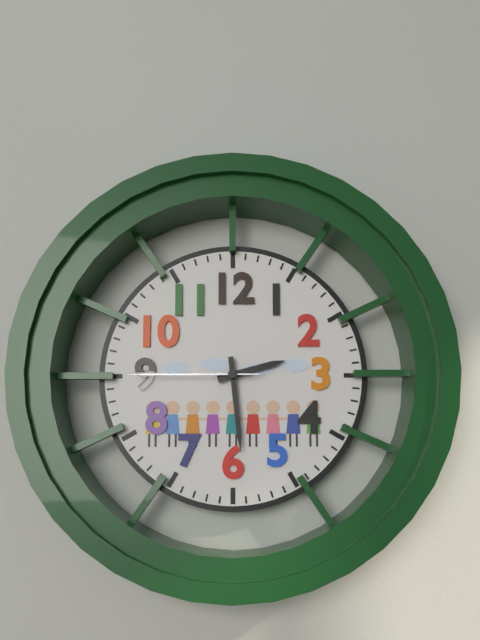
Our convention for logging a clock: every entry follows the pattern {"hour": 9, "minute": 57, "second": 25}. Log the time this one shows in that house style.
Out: {"hour": 2, "minute": 29, "second": 45}
